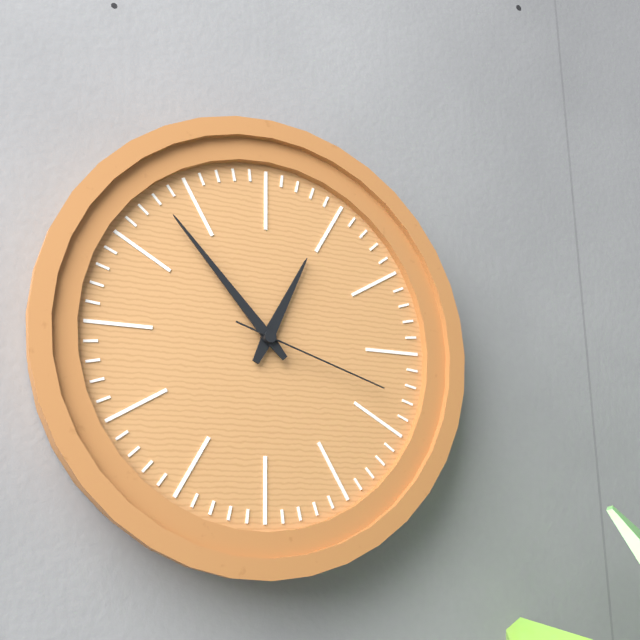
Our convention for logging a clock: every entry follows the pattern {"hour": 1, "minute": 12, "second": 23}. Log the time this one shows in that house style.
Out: {"hour": 12, "minute": 53, "second": 18}
